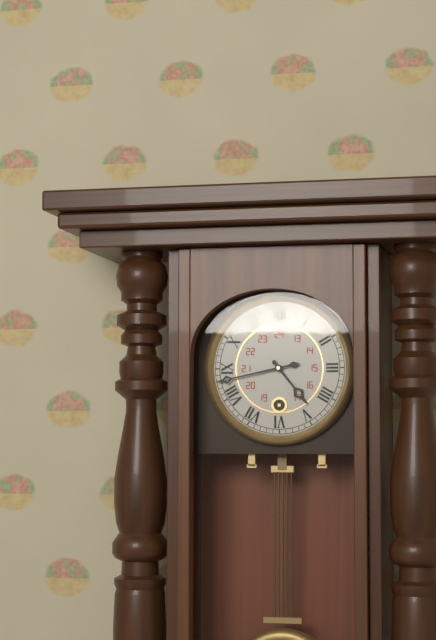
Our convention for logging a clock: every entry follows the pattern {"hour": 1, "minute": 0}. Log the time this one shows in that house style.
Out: {"hour": 4, "minute": 43}
